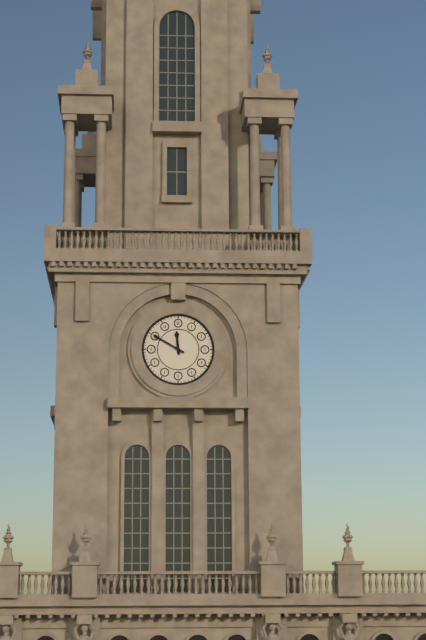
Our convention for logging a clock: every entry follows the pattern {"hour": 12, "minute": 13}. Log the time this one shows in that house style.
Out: {"hour": 11, "minute": 50}
